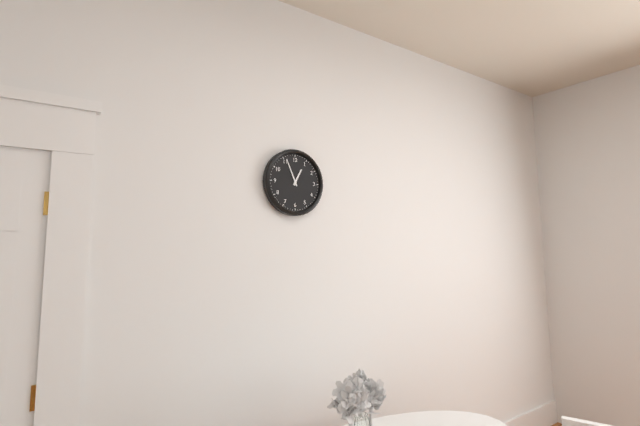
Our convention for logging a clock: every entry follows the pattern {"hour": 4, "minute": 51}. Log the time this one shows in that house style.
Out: {"hour": 12, "minute": 56}
